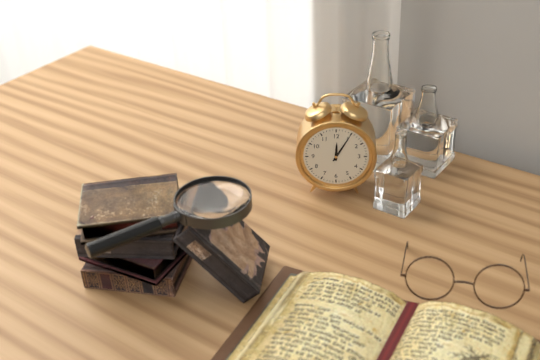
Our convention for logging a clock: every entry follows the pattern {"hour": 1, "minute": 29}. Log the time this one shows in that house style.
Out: {"hour": 12, "minute": 5}
